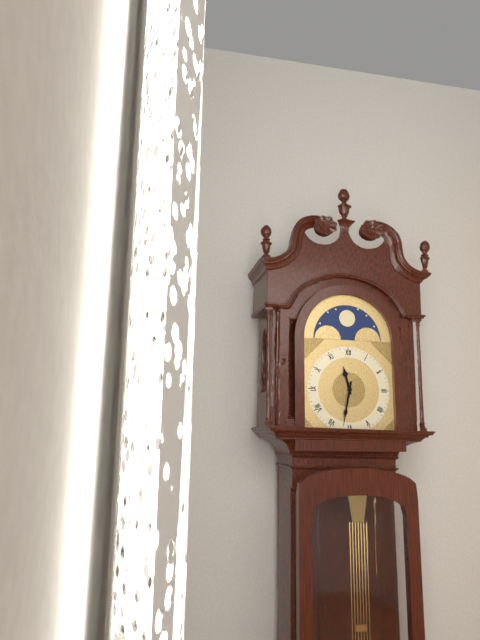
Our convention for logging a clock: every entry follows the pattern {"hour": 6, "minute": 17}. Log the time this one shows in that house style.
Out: {"hour": 11, "minute": 32}
